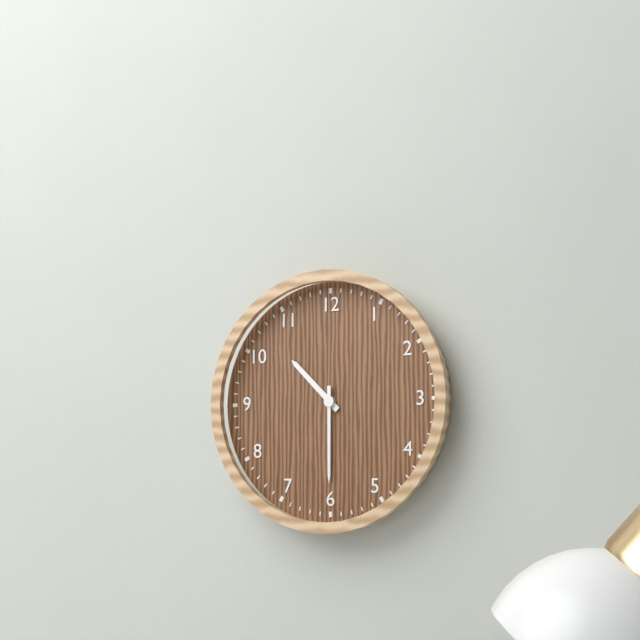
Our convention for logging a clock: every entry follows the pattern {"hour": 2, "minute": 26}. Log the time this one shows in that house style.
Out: {"hour": 10, "minute": 30}
